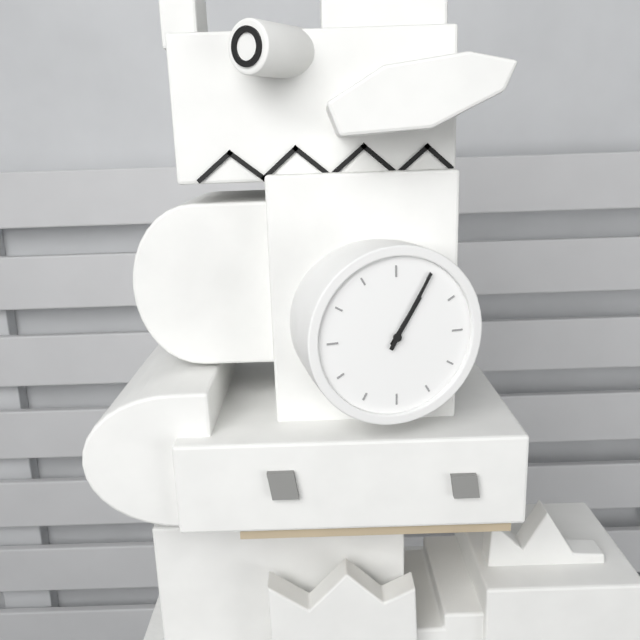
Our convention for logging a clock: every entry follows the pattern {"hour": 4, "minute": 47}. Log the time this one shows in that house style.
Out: {"hour": 1, "minute": 5}
